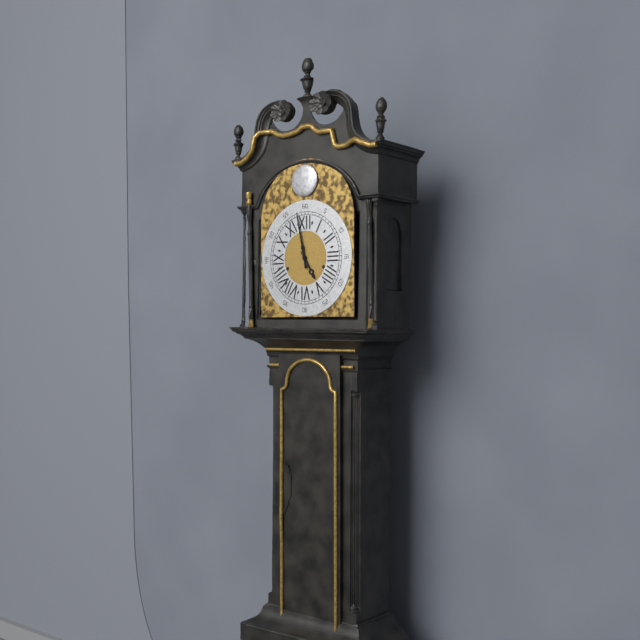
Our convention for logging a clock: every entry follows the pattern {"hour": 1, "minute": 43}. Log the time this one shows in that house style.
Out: {"hour": 4, "minute": 58}
